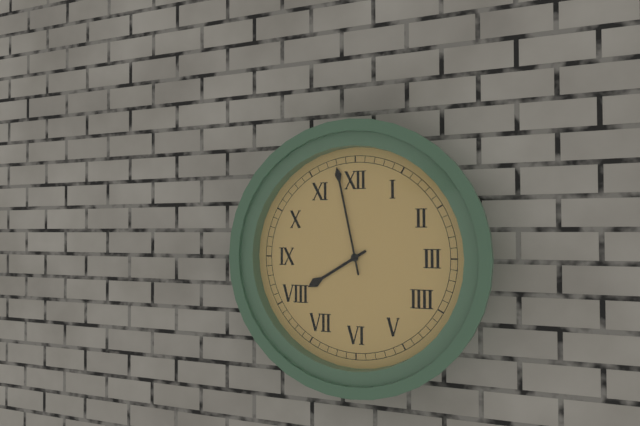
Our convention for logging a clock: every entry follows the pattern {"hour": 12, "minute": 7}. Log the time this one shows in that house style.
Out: {"hour": 7, "minute": 58}
